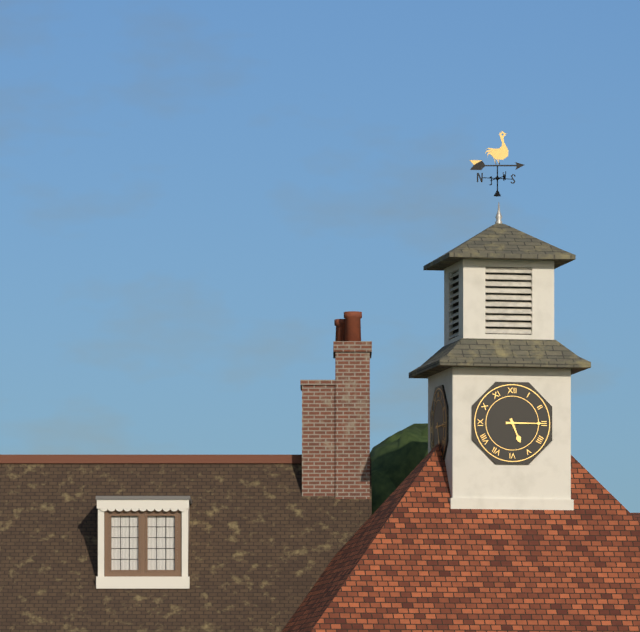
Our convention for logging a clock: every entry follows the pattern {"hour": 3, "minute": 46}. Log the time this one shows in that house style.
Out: {"hour": 5, "minute": 15}
